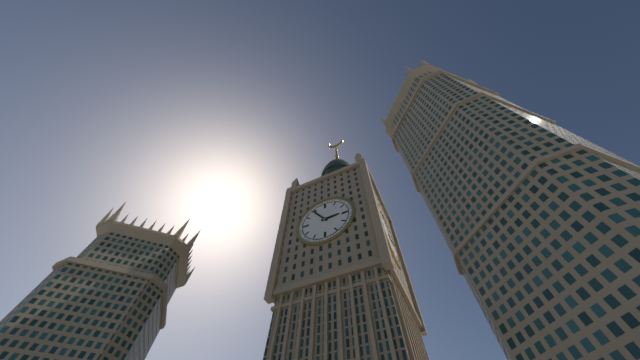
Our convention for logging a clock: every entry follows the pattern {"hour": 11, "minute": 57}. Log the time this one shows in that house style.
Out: {"hour": 2, "minute": 54}
